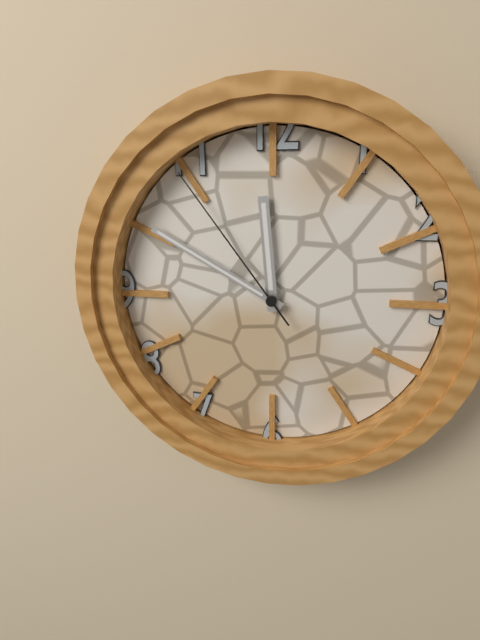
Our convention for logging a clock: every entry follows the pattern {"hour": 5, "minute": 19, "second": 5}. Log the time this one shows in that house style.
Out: {"hour": 11, "minute": 50, "second": 54}
